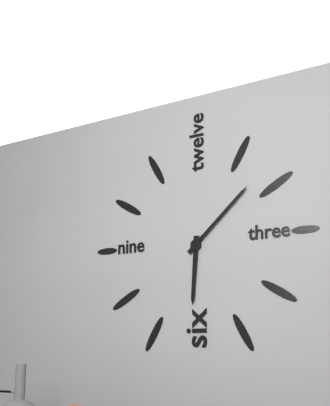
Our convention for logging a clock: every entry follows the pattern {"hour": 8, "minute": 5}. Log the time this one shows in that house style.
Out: {"hour": 6, "minute": 8}
